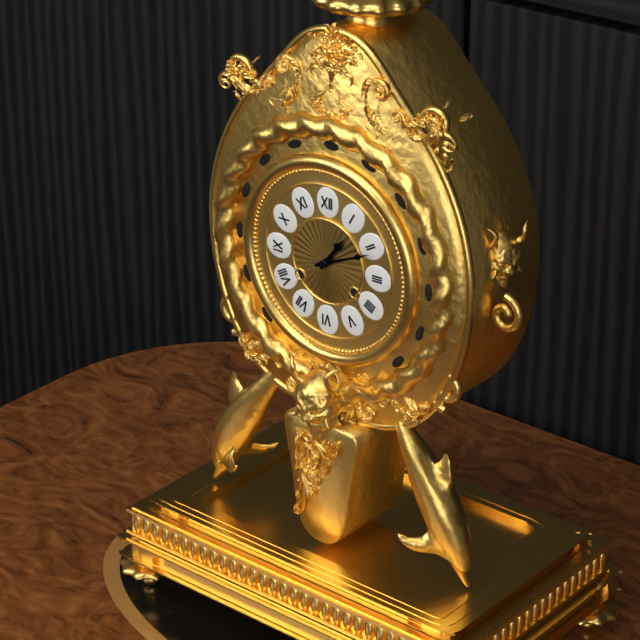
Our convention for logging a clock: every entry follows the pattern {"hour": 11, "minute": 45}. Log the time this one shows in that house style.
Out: {"hour": 1, "minute": 11}
